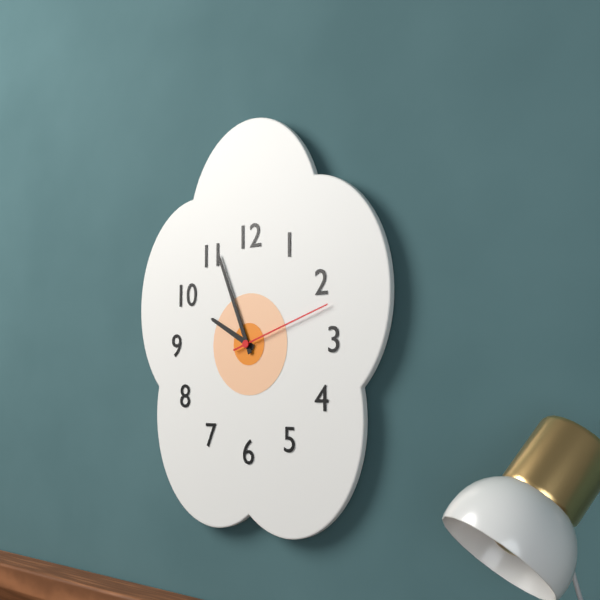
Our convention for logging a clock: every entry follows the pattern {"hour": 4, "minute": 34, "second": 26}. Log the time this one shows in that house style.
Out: {"hour": 9, "minute": 56, "second": 12}
